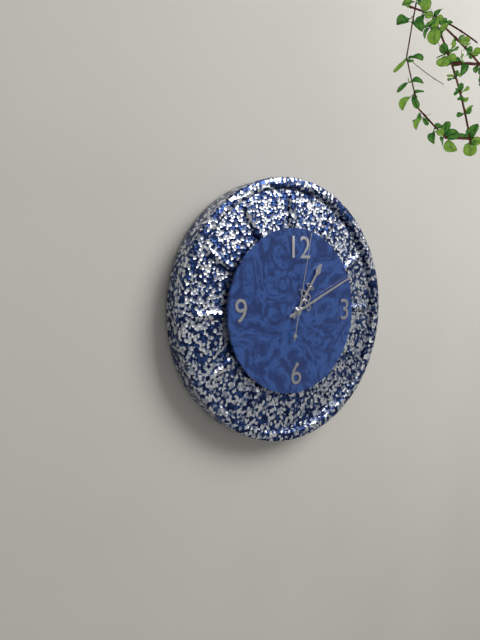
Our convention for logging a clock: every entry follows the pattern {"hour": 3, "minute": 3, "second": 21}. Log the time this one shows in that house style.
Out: {"hour": 1, "minute": 11, "second": 2}
